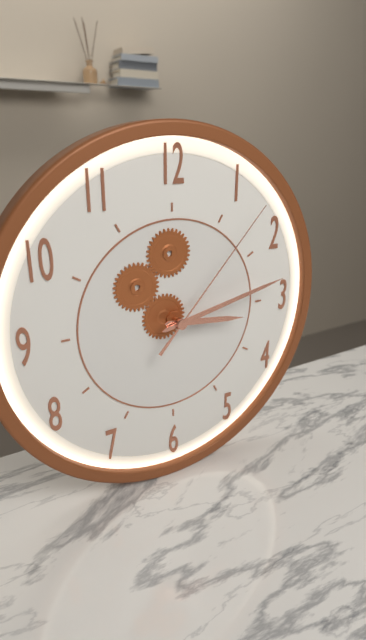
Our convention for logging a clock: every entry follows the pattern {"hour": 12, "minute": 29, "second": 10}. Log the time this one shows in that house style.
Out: {"hour": 3, "minute": 13, "second": 7}
